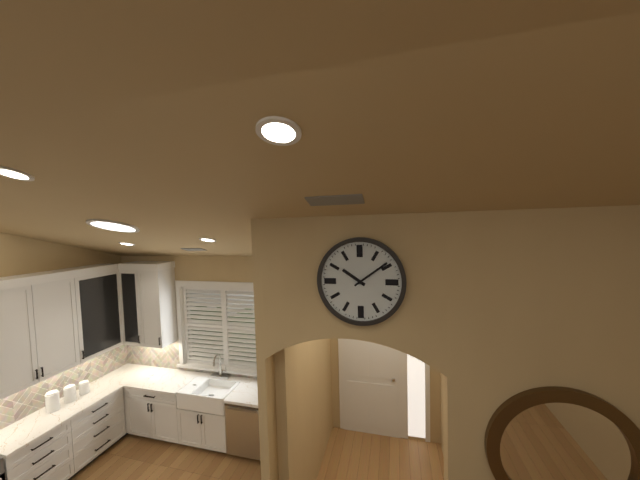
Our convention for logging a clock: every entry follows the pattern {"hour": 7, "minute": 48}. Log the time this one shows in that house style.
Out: {"hour": 10, "minute": 9}
